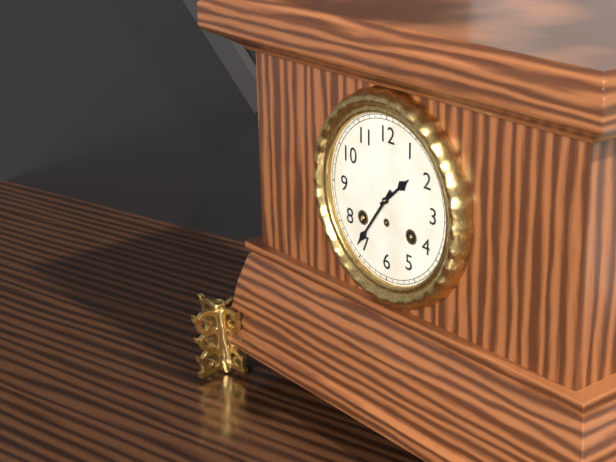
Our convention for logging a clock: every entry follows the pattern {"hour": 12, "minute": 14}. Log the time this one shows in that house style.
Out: {"hour": 1, "minute": 36}
